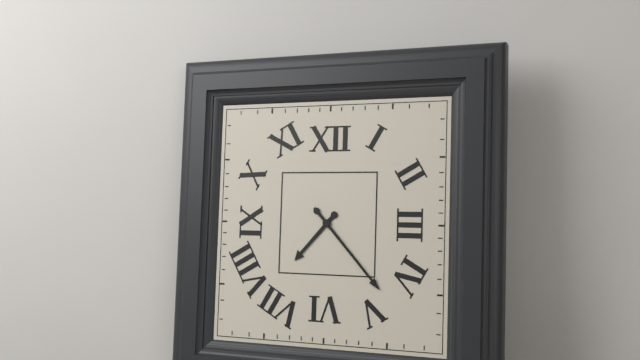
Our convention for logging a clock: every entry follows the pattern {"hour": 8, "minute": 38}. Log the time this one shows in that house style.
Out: {"hour": 7, "minute": 23}
